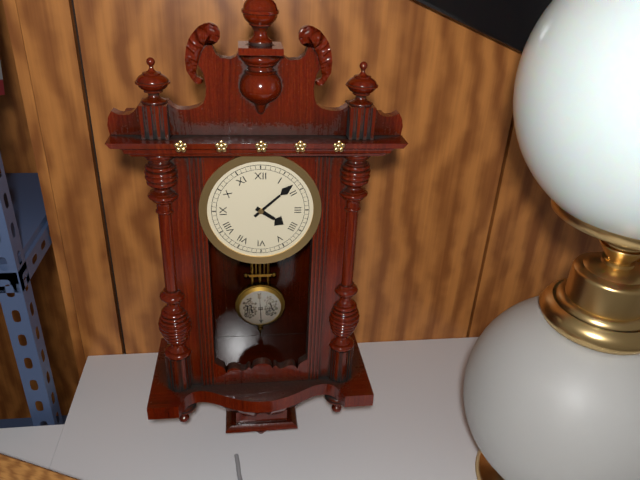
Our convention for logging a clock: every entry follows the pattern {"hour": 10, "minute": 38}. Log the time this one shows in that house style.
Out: {"hour": 4, "minute": 8}
